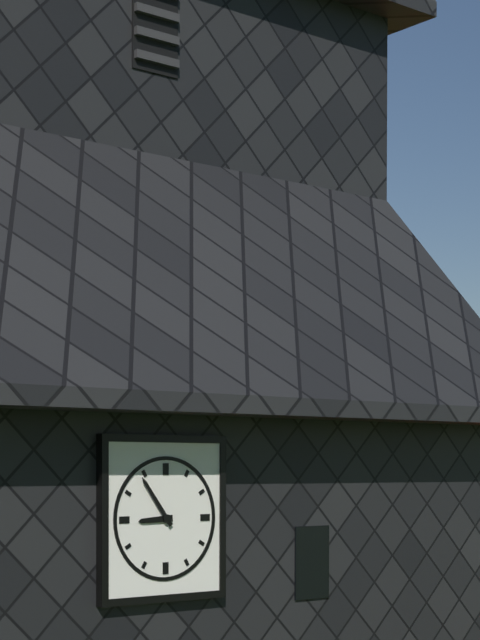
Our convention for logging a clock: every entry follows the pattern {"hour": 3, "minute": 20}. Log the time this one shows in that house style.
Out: {"hour": 8, "minute": 54}
